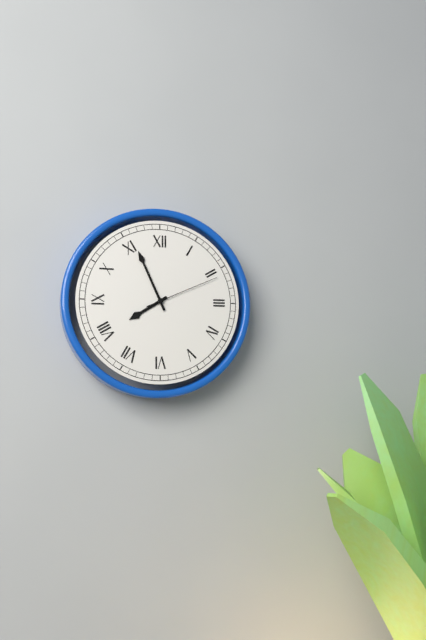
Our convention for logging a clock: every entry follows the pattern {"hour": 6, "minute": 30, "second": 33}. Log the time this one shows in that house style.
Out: {"hour": 7, "minute": 56, "second": 11}
